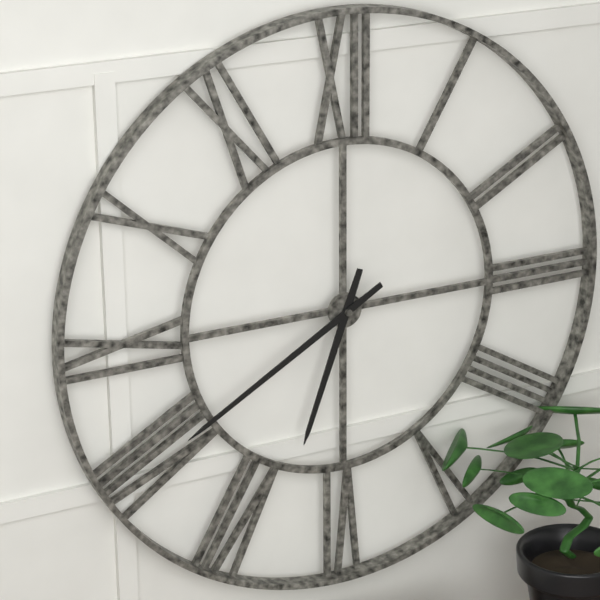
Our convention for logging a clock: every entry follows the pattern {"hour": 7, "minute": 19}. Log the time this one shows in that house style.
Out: {"hour": 6, "minute": 40}
